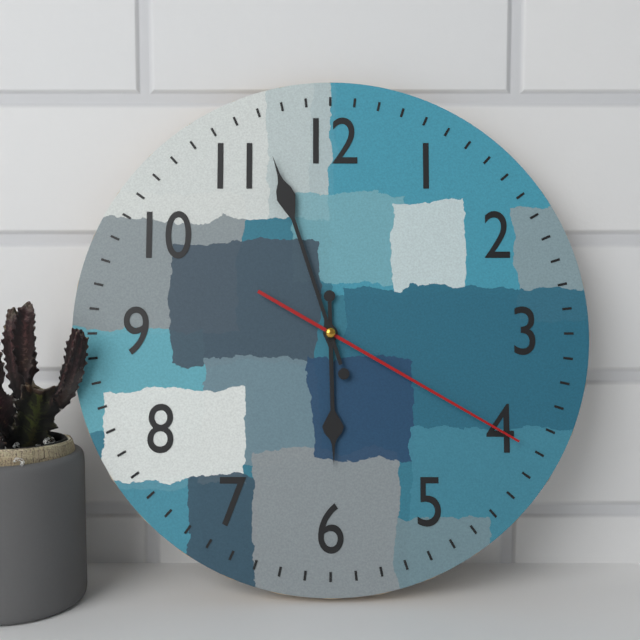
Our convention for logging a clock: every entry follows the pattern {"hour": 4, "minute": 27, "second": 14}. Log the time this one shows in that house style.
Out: {"hour": 5, "minute": 57, "second": 20}
